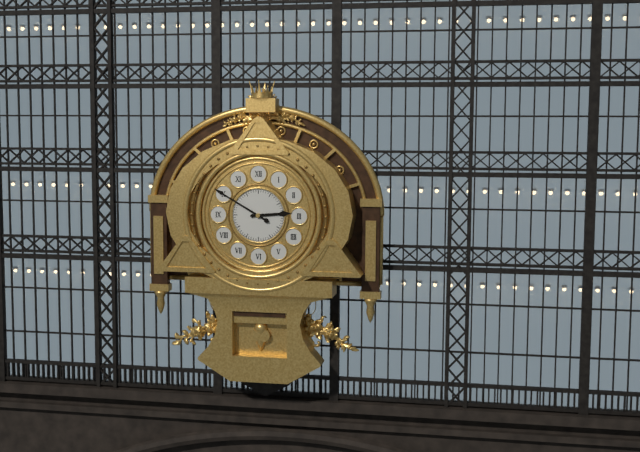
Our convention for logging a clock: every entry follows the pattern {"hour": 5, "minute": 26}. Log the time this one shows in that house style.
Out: {"hour": 2, "minute": 50}
